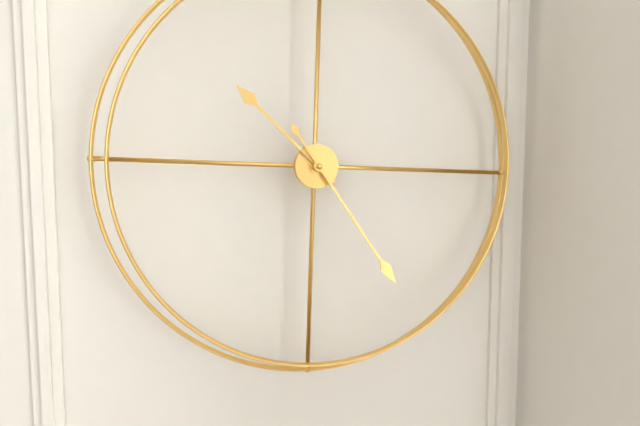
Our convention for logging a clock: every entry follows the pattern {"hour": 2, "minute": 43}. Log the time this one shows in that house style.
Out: {"hour": 10, "minute": 24}
